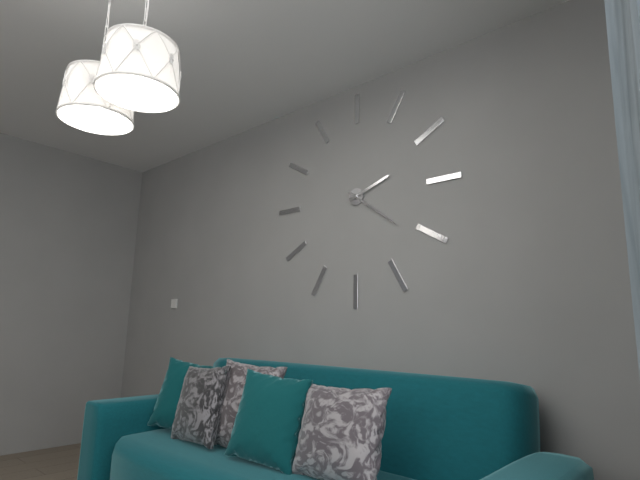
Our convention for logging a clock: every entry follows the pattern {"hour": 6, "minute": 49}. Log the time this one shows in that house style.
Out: {"hour": 2, "minute": 21}
